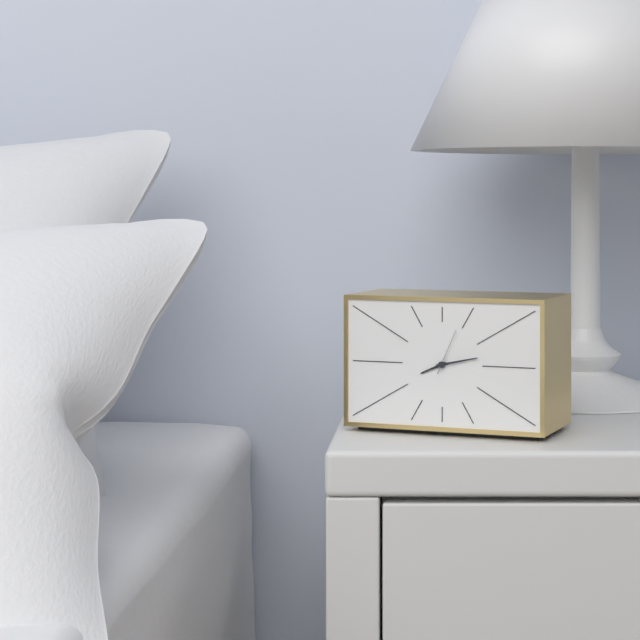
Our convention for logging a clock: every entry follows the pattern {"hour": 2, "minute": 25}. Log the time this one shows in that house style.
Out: {"hour": 8, "minute": 13}
